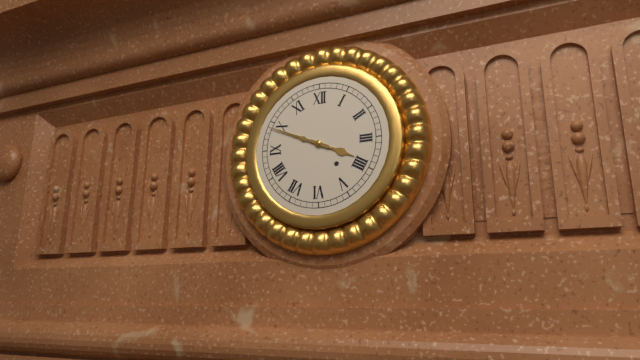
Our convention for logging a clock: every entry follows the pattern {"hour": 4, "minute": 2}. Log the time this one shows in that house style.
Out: {"hour": 3, "minute": 49}
